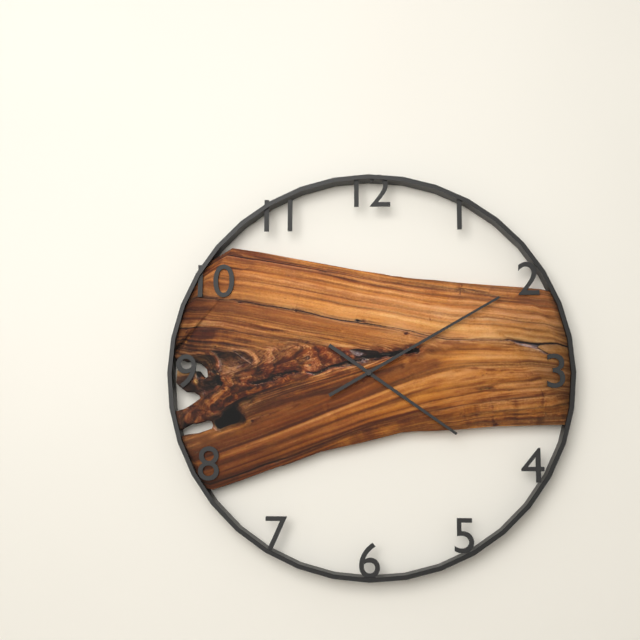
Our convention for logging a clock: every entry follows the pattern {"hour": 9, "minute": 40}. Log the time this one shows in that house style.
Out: {"hour": 4, "minute": 10}
